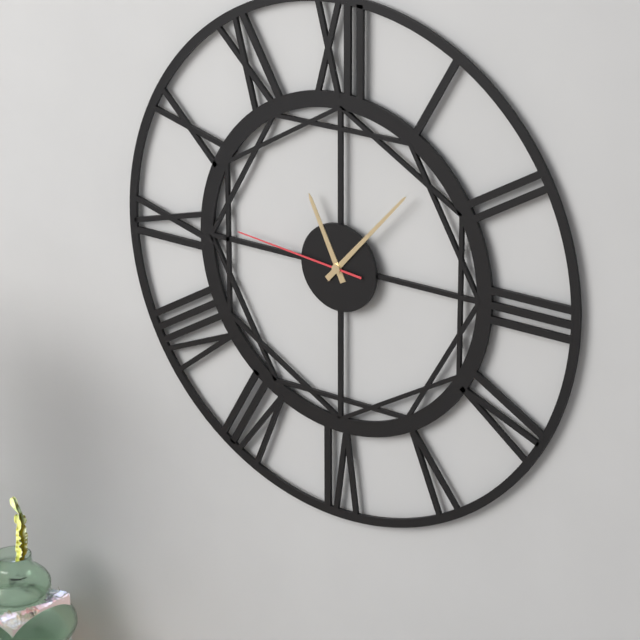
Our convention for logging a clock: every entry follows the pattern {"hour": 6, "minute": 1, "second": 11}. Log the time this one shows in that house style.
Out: {"hour": 11, "minute": 7, "second": 46}
